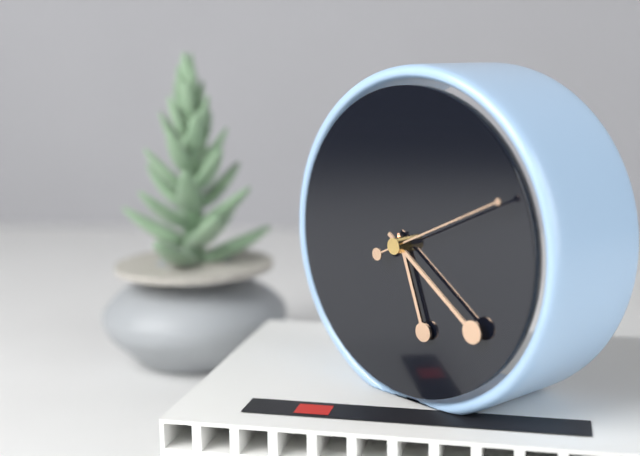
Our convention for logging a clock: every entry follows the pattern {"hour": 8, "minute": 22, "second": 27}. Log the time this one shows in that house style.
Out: {"hour": 5, "minute": 21, "second": 11}
